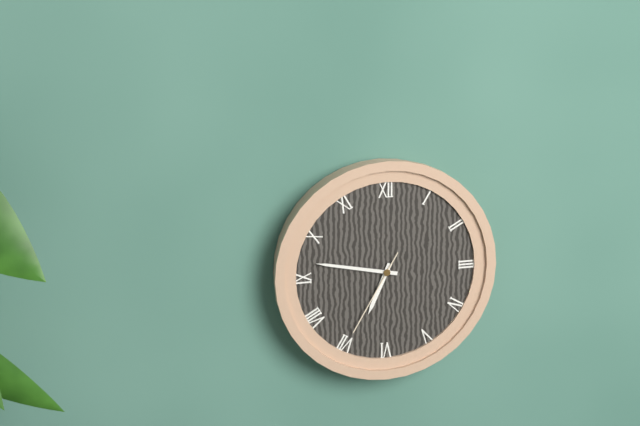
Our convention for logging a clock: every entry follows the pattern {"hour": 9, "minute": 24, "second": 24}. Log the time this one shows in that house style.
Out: {"hour": 6, "minute": 47, "second": 35}
